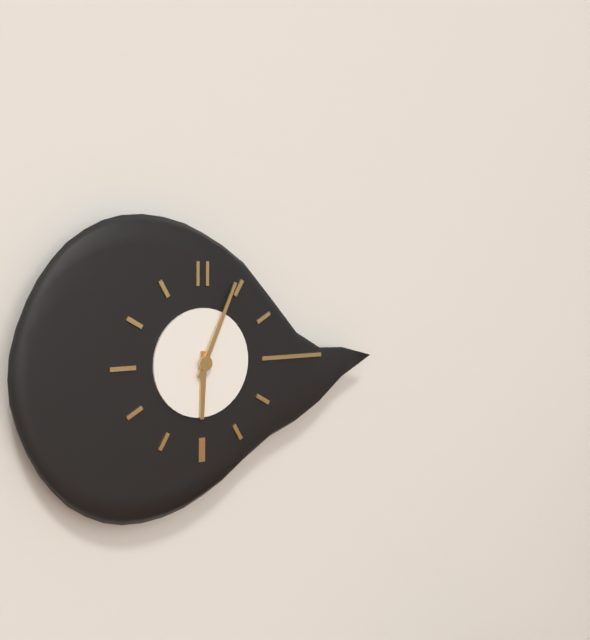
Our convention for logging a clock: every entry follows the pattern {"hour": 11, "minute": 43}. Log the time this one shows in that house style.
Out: {"hour": 6, "minute": 4}
